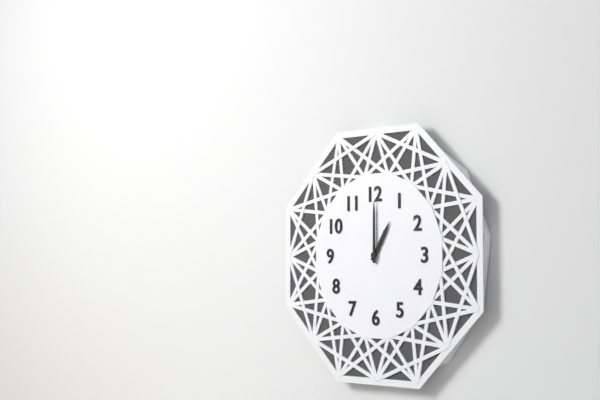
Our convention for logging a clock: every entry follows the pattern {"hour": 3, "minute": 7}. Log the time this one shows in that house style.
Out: {"hour": 1, "minute": 0}
